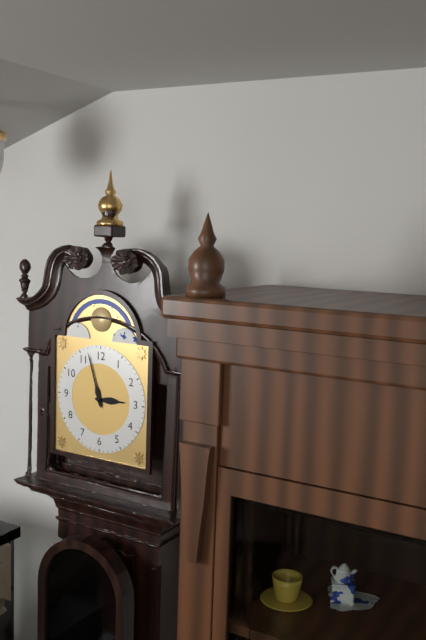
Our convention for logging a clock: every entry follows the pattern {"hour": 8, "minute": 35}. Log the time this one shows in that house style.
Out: {"hour": 2, "minute": 57}
